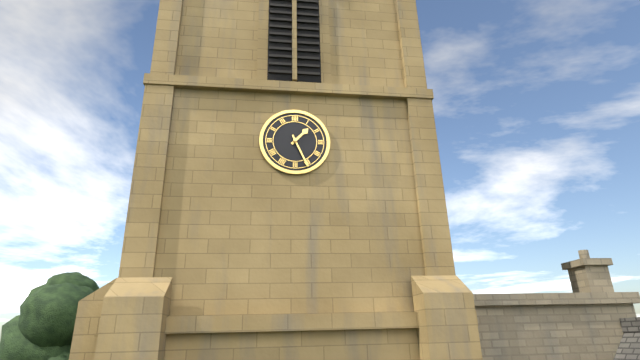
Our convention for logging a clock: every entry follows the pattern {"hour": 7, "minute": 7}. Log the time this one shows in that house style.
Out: {"hour": 1, "minute": 26}
